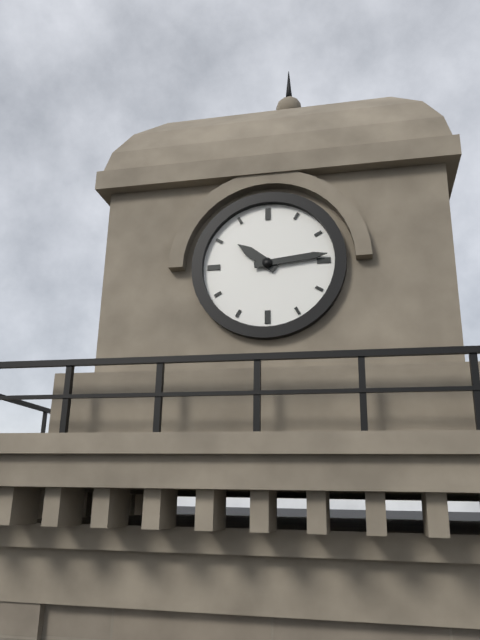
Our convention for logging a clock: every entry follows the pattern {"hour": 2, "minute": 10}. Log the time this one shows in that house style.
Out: {"hour": 10, "minute": 14}
